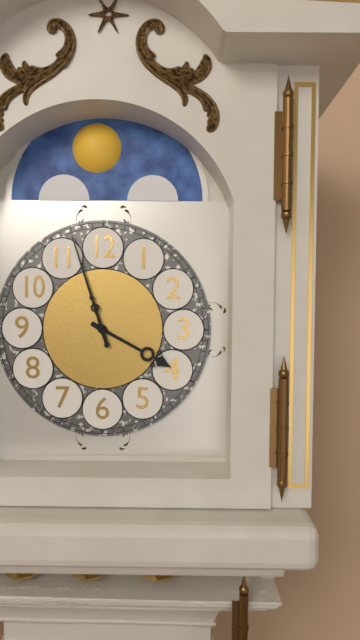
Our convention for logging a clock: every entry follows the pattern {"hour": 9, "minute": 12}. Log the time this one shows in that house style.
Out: {"hour": 3, "minute": 57}
